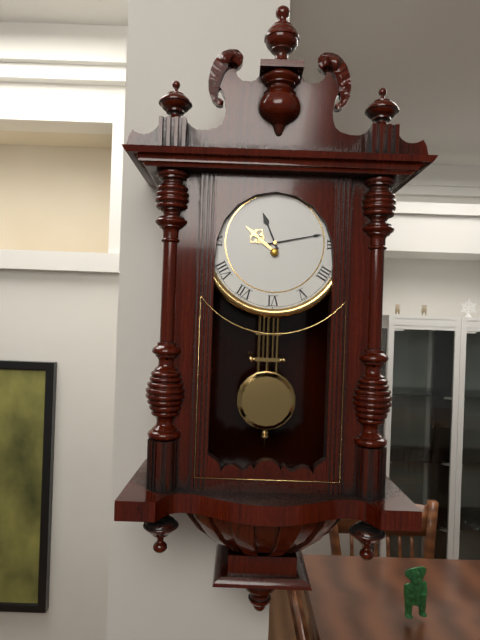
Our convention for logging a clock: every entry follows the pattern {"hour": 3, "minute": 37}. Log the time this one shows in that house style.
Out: {"hour": 11, "minute": 13}
